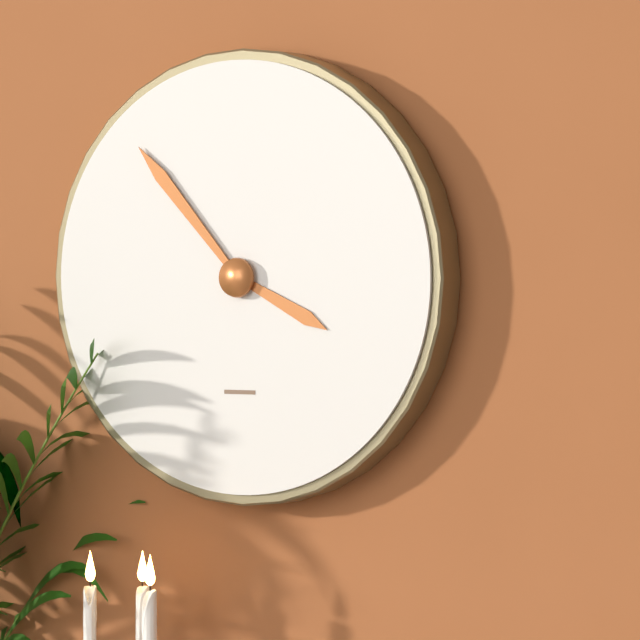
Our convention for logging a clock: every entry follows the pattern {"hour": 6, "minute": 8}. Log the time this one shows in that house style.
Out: {"hour": 3, "minute": 53}
